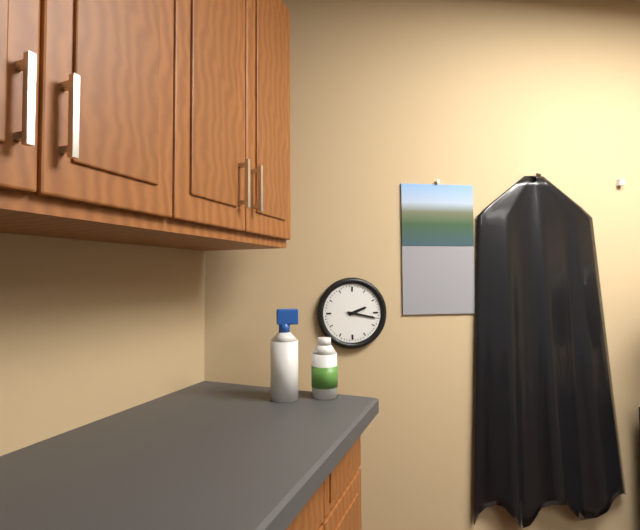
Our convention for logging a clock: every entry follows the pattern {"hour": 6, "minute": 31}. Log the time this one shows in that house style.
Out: {"hour": 2, "minute": 17}
